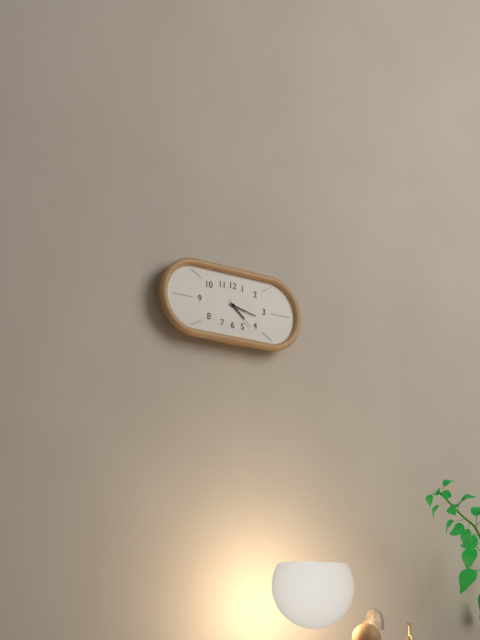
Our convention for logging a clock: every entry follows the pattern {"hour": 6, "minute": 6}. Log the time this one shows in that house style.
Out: {"hour": 4, "minute": 17}
